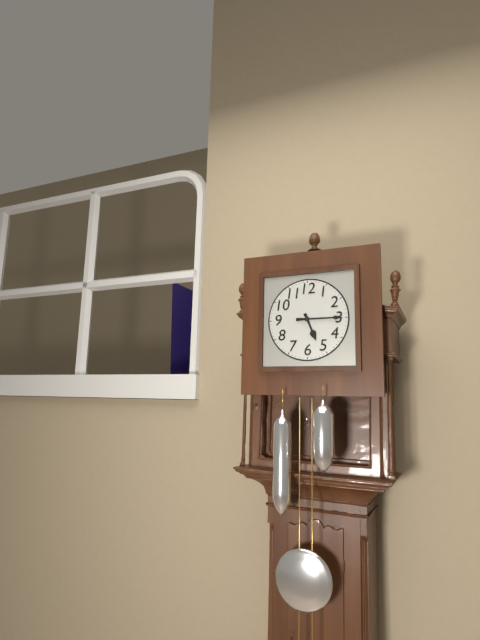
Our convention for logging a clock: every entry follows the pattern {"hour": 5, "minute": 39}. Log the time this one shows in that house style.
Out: {"hour": 5, "minute": 15}
